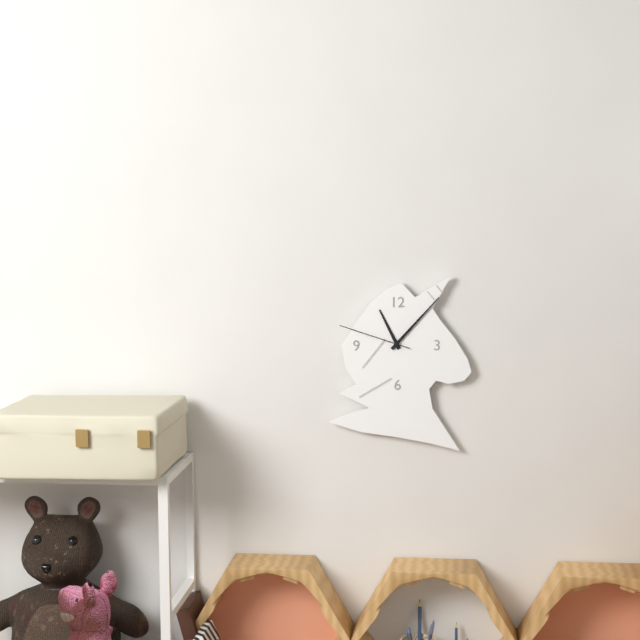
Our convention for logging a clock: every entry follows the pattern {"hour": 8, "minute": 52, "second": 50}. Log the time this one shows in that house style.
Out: {"hour": 11, "minute": 7, "second": 48}
